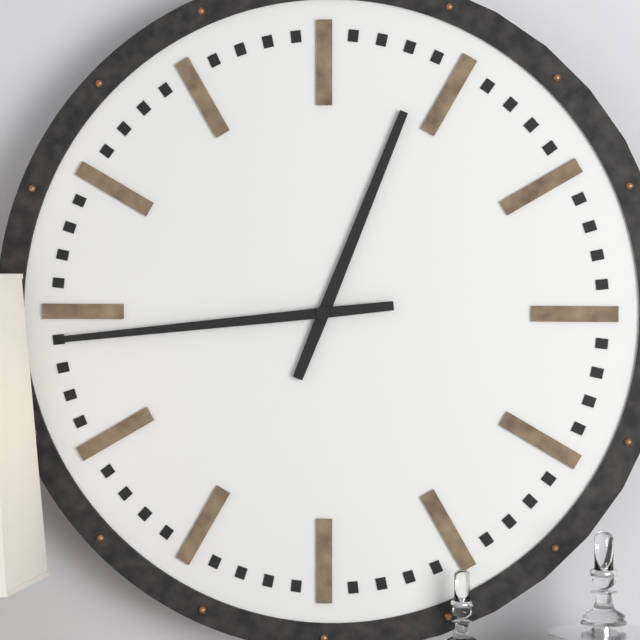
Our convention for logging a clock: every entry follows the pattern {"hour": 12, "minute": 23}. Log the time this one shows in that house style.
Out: {"hour": 12, "minute": 44}
